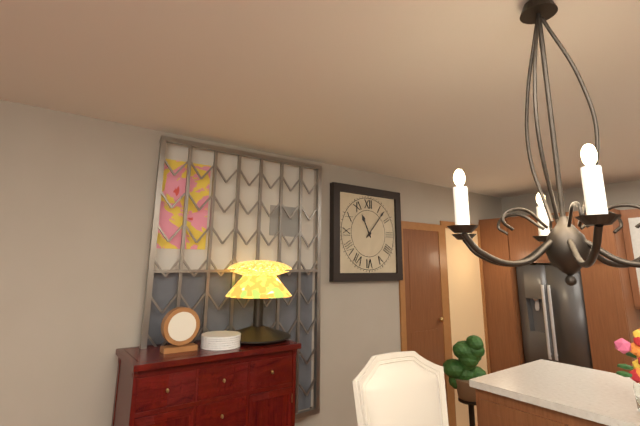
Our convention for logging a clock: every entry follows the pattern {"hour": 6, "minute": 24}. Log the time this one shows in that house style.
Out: {"hour": 11, "minute": 7}
